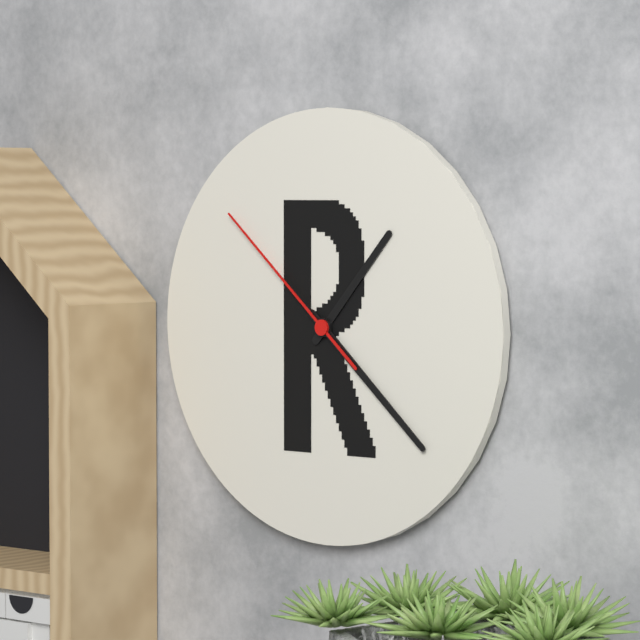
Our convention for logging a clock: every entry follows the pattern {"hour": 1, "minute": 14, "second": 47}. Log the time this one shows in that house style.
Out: {"hour": 1, "minute": 22, "second": 52}
